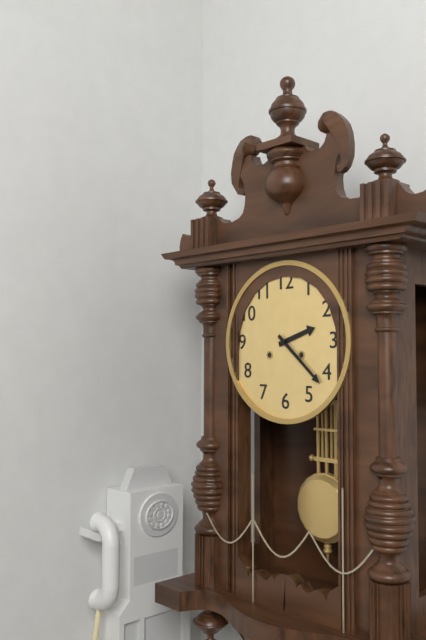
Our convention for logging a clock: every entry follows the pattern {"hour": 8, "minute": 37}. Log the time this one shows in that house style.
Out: {"hour": 2, "minute": 22}
